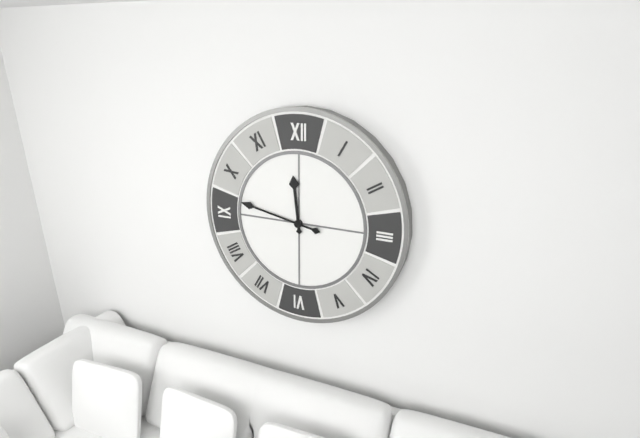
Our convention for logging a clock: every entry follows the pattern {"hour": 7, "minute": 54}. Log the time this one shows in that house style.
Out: {"hour": 11, "minute": 47}
